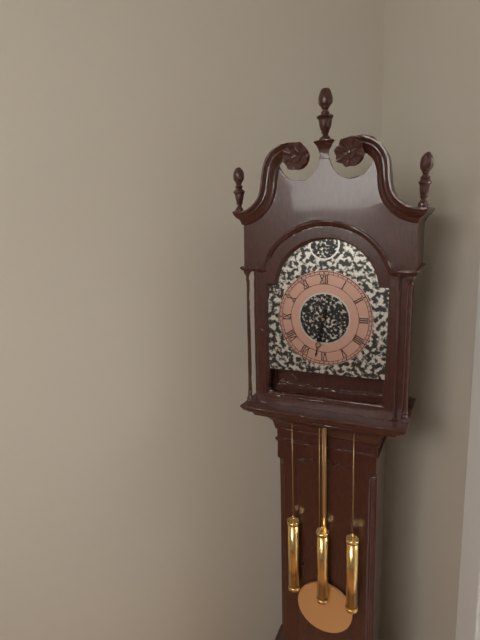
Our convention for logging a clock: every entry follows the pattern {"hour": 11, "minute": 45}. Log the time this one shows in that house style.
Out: {"hour": 6, "minute": 32}
